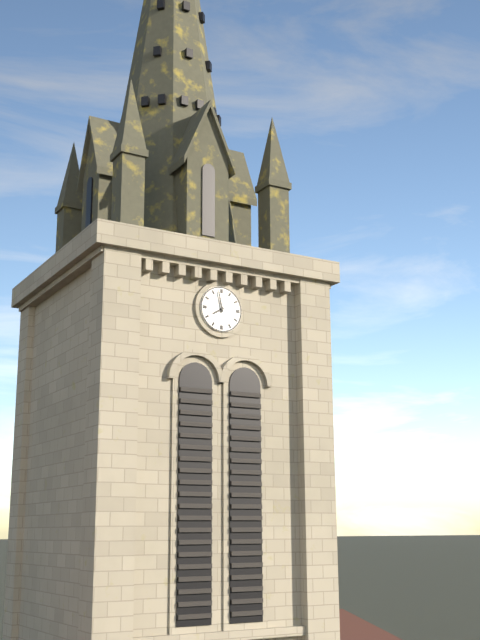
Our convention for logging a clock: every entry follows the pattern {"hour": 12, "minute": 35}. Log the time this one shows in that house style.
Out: {"hour": 7, "minute": 58}
